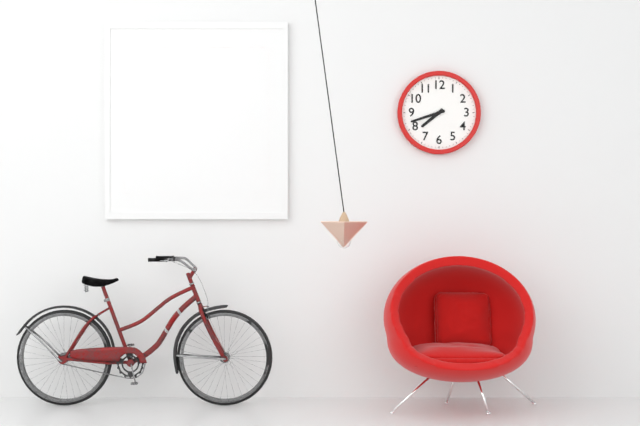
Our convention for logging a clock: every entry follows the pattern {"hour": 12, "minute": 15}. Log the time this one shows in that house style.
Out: {"hour": 7, "minute": 42}
